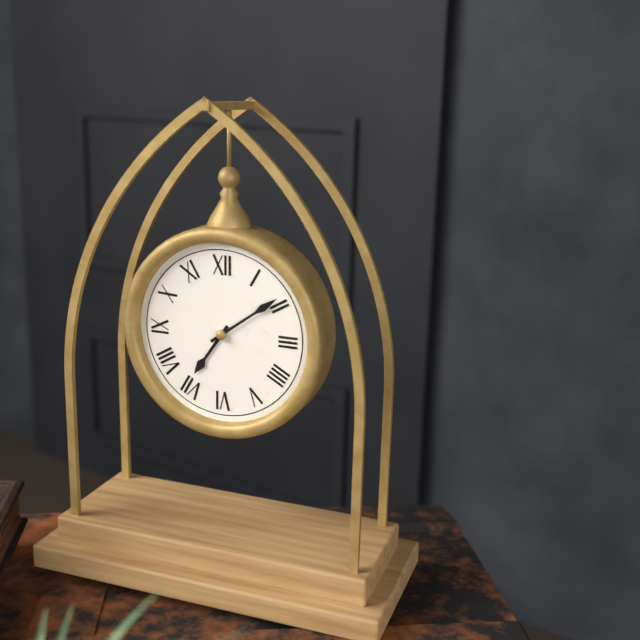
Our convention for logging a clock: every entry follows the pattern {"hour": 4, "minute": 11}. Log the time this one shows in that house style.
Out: {"hour": 7, "minute": 9}
